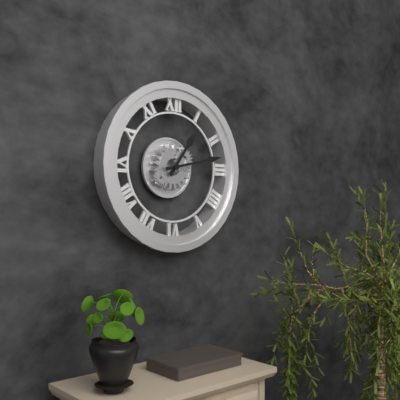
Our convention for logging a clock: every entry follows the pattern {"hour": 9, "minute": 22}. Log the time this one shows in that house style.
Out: {"hour": 1, "minute": 13}
